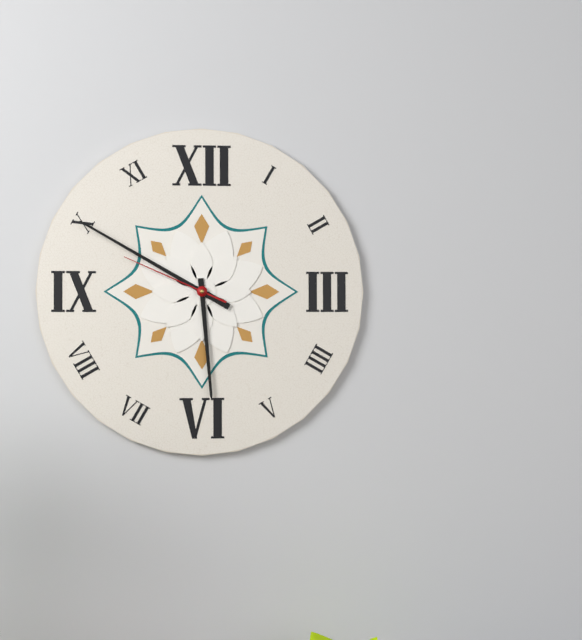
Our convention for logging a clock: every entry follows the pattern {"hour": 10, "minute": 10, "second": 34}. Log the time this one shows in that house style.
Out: {"hour": 5, "minute": 50, "second": 49}
